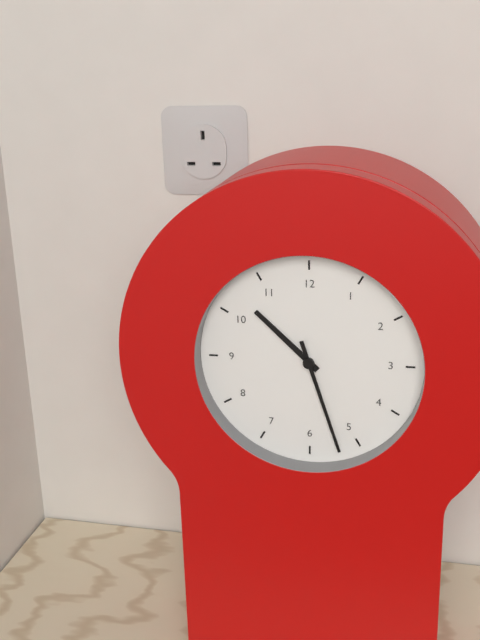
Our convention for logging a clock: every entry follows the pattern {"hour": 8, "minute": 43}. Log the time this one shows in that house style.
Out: {"hour": 10, "minute": 27}
